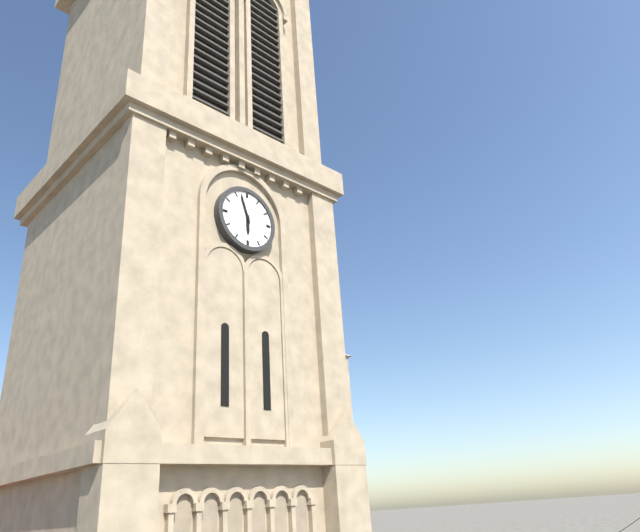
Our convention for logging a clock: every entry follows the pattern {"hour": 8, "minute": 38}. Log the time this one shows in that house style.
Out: {"hour": 5, "minute": 57}
